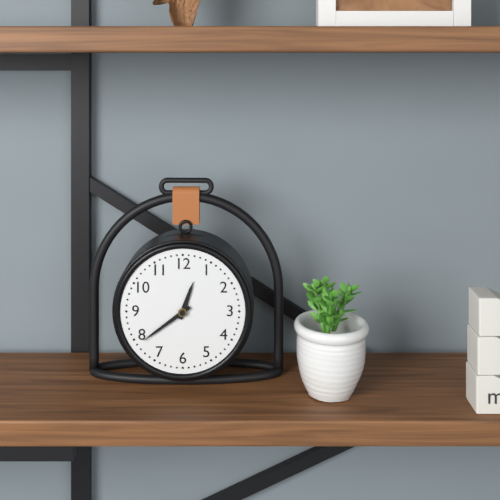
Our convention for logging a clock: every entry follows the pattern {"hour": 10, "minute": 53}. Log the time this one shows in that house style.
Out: {"hour": 12, "minute": 39}
